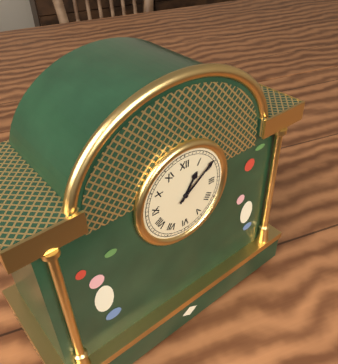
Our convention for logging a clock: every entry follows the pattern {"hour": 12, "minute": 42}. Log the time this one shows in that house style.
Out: {"hour": 1, "minute": 9}
